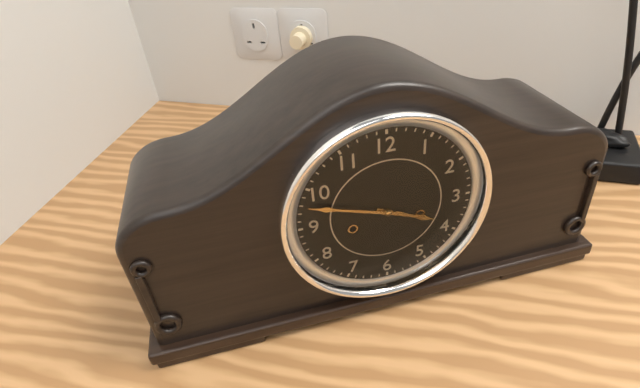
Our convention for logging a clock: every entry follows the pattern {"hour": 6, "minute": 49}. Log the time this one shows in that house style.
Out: {"hour": 3, "minute": 48}
